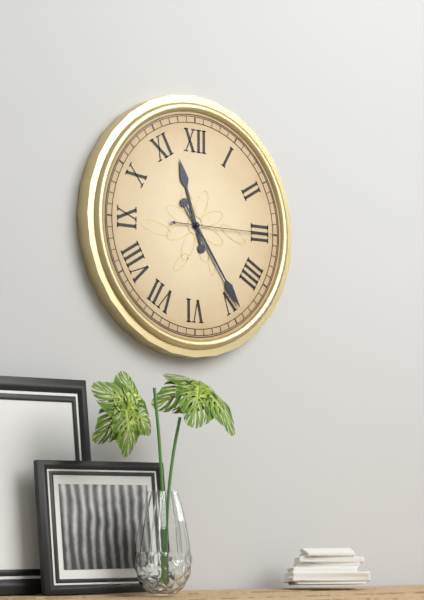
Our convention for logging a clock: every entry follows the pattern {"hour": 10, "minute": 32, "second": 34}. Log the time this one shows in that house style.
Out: {"hour": 11, "minute": 24, "second": 15}
